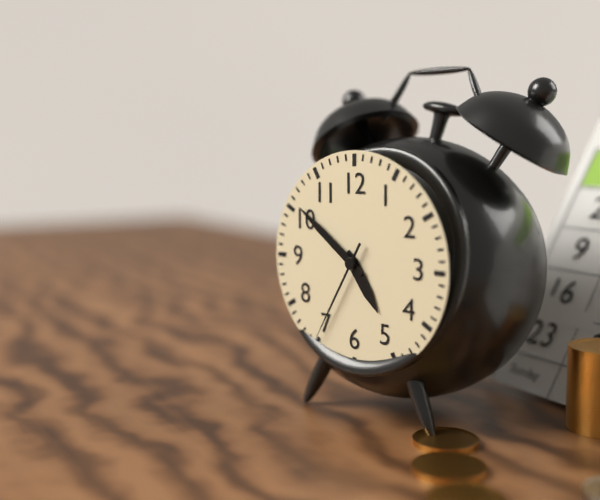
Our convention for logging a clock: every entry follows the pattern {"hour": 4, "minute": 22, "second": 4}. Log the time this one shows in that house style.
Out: {"hour": 4, "minute": 51, "second": 35}
